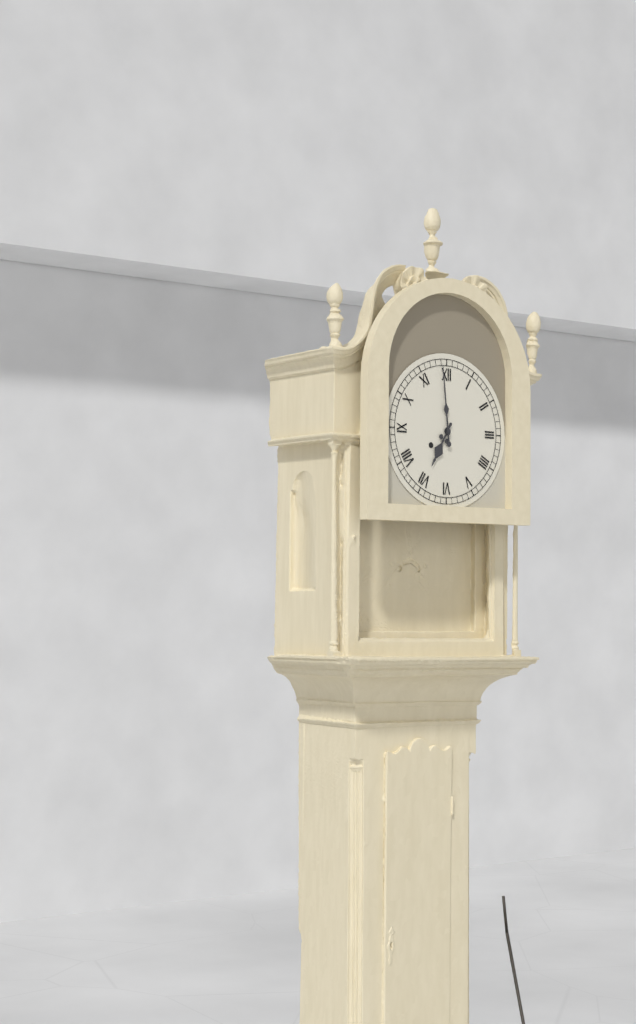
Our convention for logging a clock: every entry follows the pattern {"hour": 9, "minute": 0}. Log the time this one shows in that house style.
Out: {"hour": 6, "minute": 59}
